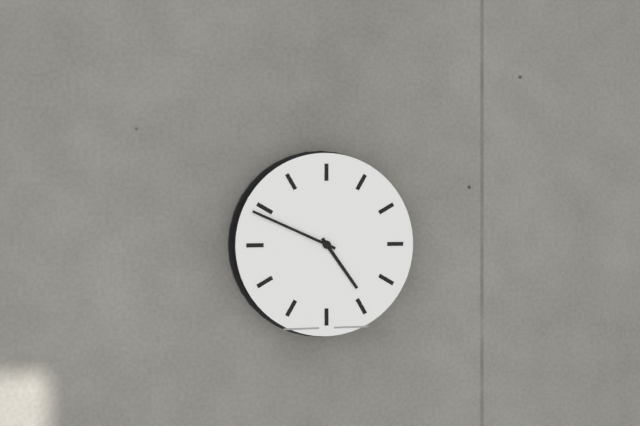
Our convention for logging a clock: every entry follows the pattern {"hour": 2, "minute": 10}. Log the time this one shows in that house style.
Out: {"hour": 4, "minute": 49}
